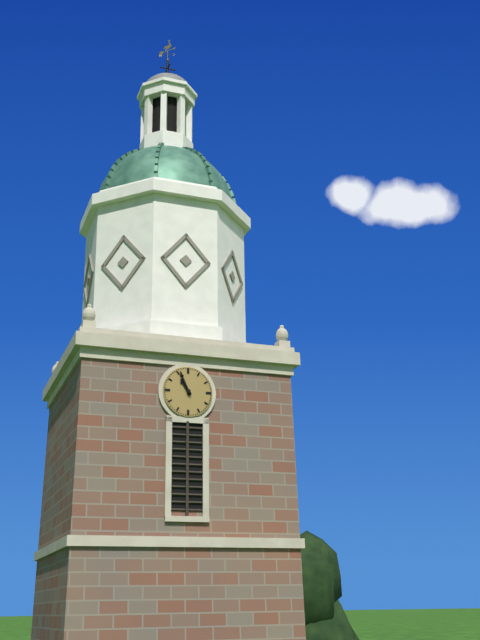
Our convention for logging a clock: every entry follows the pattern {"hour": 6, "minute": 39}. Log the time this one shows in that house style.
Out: {"hour": 10, "minute": 56}
